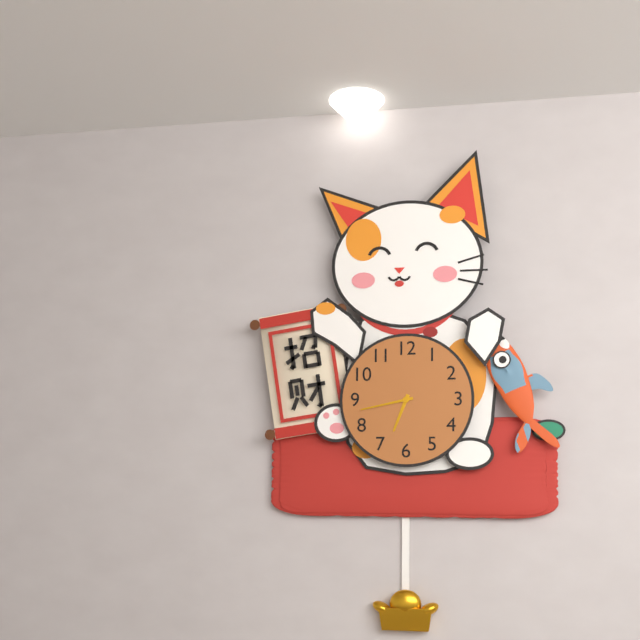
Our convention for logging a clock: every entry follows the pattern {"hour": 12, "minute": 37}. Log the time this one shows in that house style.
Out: {"hour": 6, "minute": 43}
